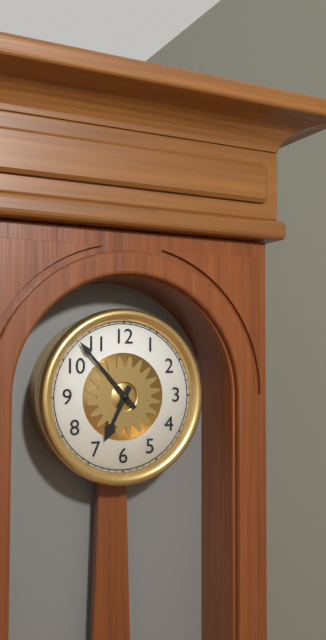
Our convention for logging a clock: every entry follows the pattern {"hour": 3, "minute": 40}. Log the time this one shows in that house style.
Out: {"hour": 6, "minute": 53}
